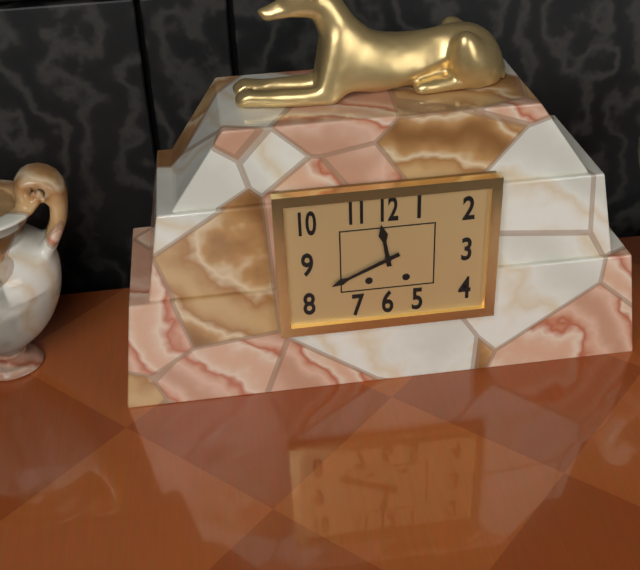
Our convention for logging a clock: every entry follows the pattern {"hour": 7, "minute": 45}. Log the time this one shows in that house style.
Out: {"hour": 11, "minute": 41}
